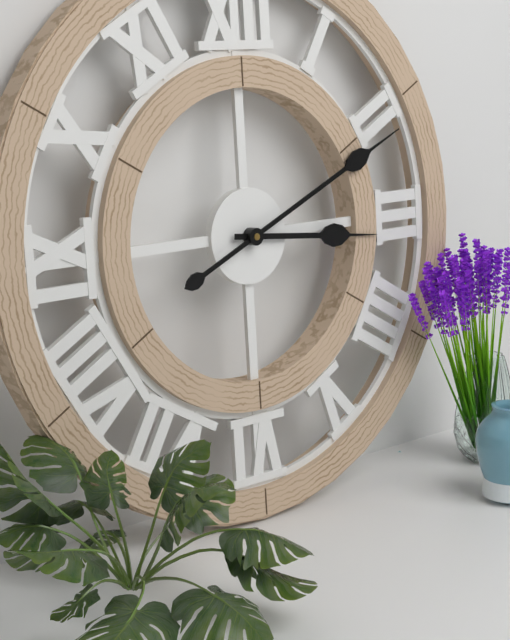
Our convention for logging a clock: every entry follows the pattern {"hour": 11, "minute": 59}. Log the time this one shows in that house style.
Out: {"hour": 3, "minute": 11}
